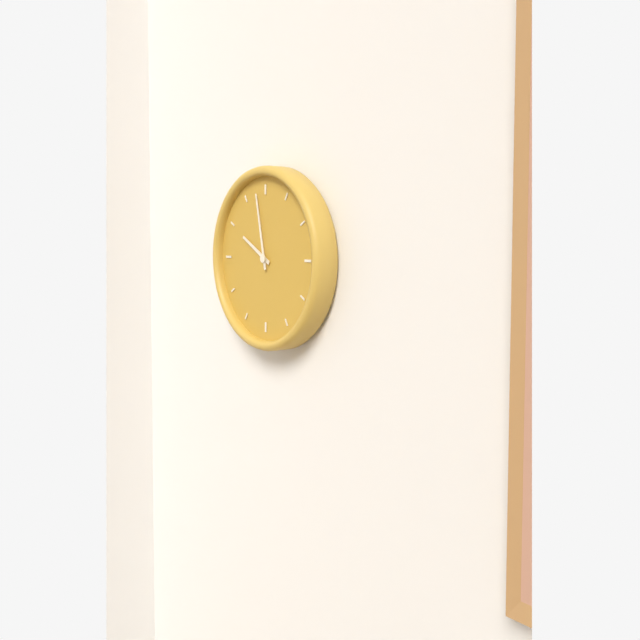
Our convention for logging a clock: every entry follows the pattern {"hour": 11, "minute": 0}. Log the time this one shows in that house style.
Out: {"hour": 9, "minute": 58}
